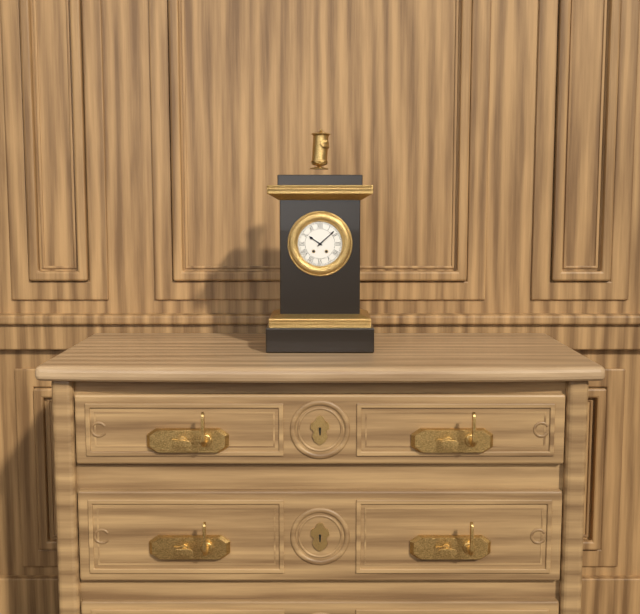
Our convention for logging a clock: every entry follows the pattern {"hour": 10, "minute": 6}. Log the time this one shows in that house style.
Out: {"hour": 10, "minute": 8}
